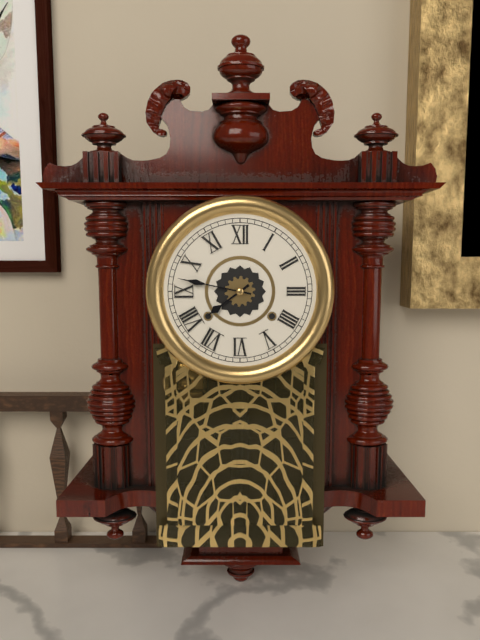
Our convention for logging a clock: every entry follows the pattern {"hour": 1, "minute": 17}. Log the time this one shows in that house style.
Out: {"hour": 7, "minute": 47}
